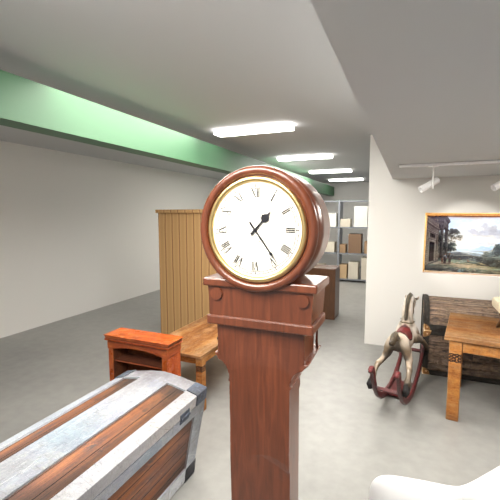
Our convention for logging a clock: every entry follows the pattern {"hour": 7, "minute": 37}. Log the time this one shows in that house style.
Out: {"hour": 1, "minute": 24}
